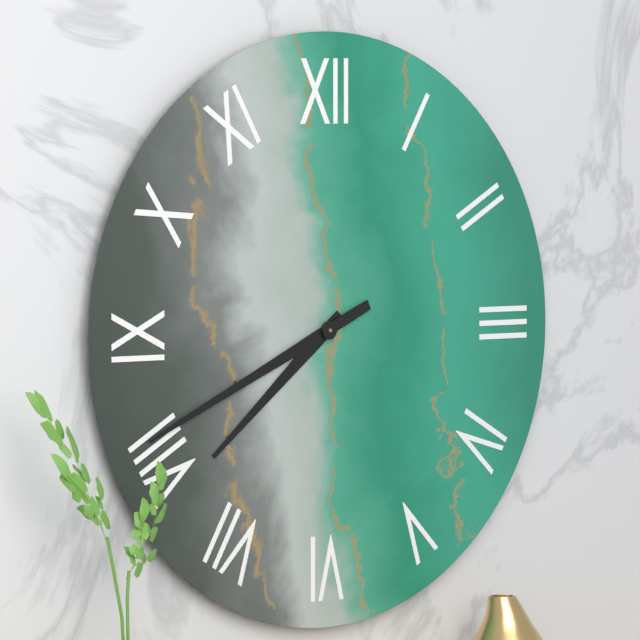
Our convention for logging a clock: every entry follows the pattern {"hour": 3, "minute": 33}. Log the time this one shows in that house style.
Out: {"hour": 7, "minute": 41}
